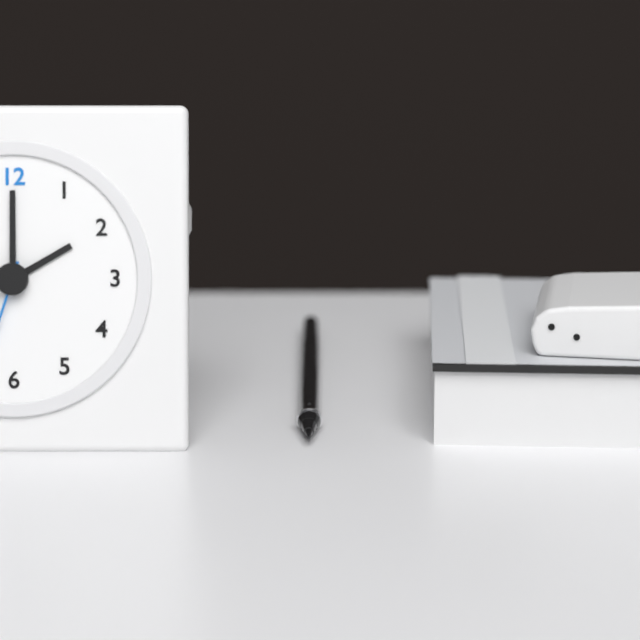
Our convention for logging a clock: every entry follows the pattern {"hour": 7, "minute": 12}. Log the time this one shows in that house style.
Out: {"hour": 2, "minute": 0}
